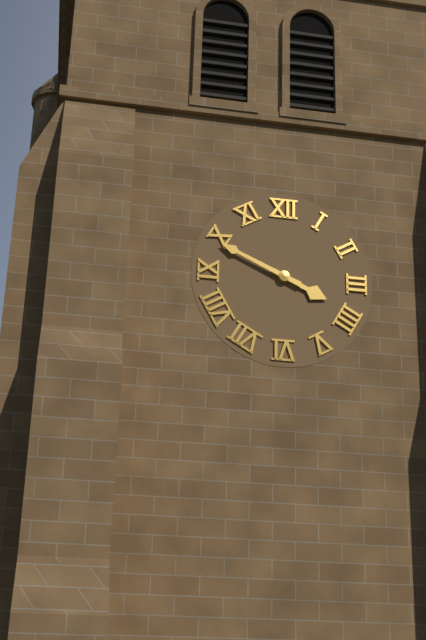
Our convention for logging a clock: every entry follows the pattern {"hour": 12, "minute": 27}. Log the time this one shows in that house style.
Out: {"hour": 3, "minute": 49}
